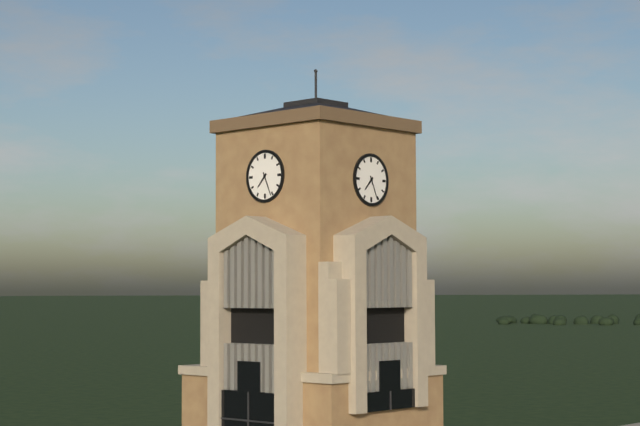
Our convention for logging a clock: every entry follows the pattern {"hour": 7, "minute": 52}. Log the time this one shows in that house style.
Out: {"hour": 7, "minute": 26}
